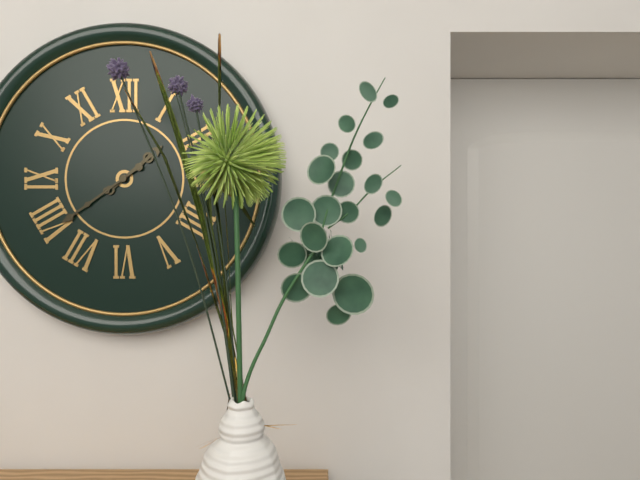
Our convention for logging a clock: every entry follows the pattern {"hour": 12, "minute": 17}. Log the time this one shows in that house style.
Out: {"hour": 1, "minute": 39}
